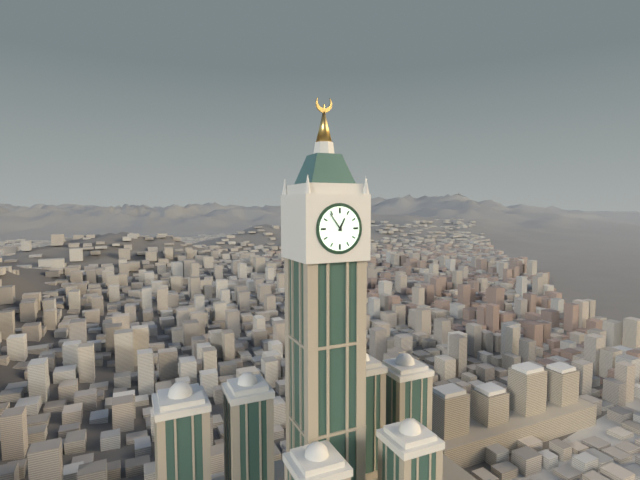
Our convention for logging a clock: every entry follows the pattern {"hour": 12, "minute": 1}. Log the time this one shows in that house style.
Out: {"hour": 12, "minute": 54}
